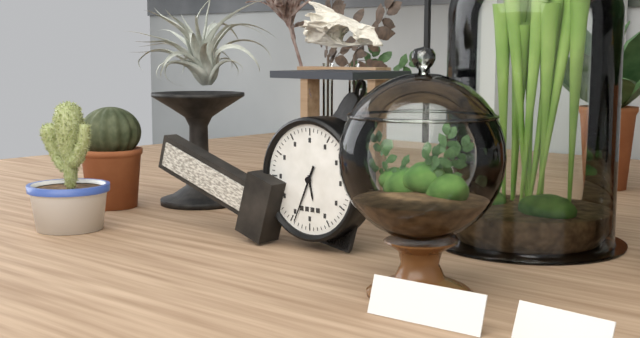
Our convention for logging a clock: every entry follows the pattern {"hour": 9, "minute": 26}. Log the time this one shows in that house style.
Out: {"hour": 5, "minute": 34}
